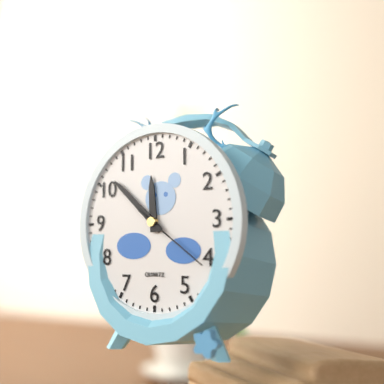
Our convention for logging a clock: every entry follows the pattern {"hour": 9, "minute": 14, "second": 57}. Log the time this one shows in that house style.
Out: {"hour": 11, "minute": 52, "second": 21}
